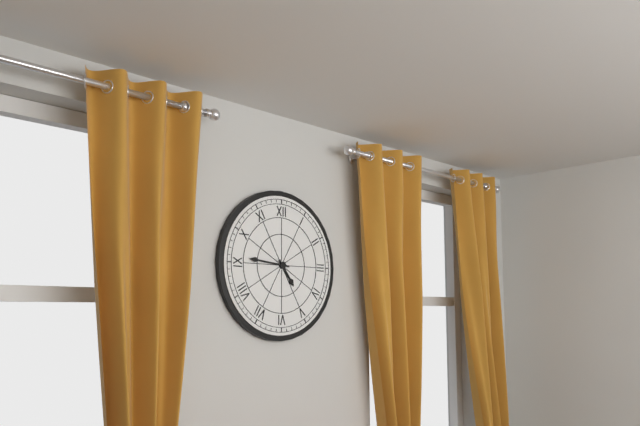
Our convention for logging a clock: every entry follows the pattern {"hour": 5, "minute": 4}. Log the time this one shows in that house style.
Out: {"hour": 4, "minute": 46}
